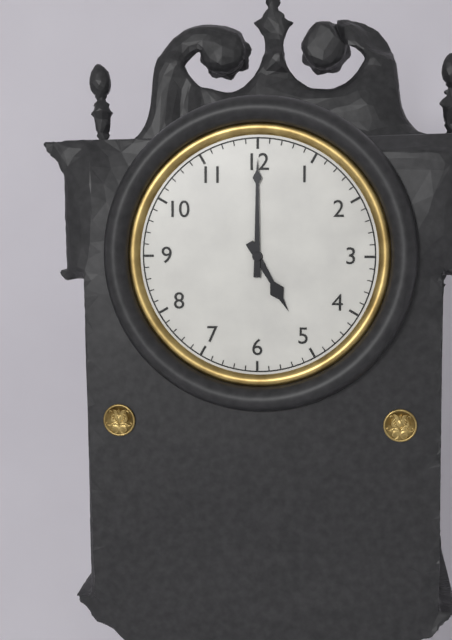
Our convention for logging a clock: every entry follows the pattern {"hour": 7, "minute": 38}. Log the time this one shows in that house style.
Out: {"hour": 5, "minute": 0}
